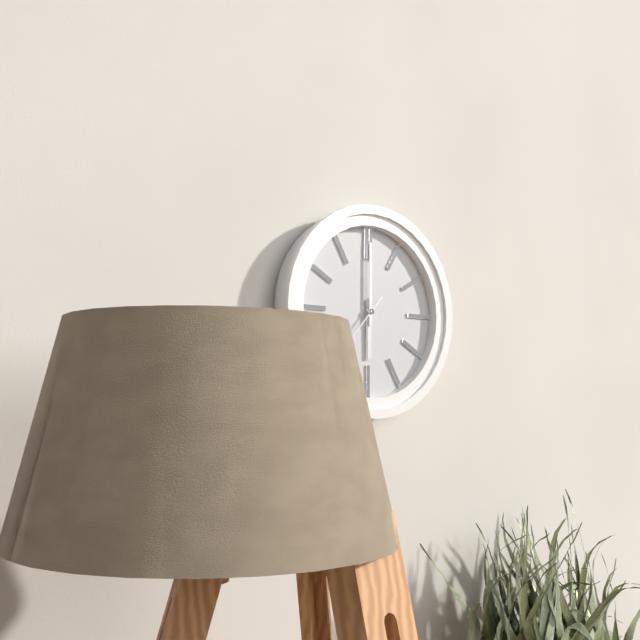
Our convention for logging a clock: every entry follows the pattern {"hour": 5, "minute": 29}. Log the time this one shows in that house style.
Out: {"hour": 6, "minute": 0}
